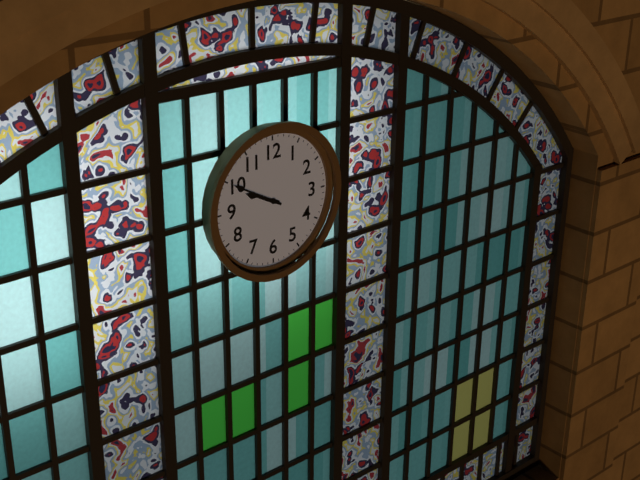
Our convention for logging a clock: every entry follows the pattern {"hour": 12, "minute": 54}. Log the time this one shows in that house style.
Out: {"hour": 9, "minute": 50}
